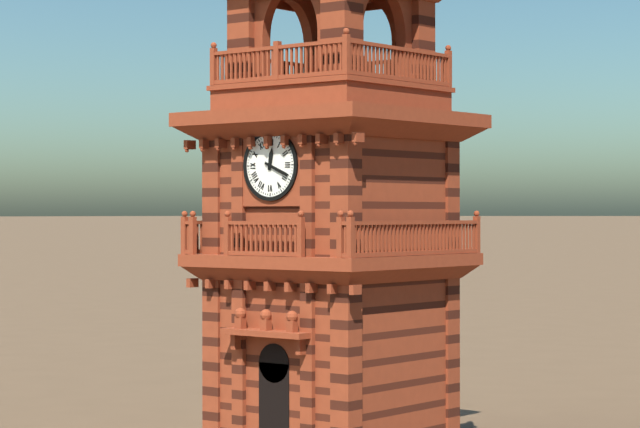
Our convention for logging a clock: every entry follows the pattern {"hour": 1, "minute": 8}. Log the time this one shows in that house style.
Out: {"hour": 12, "minute": 19}
